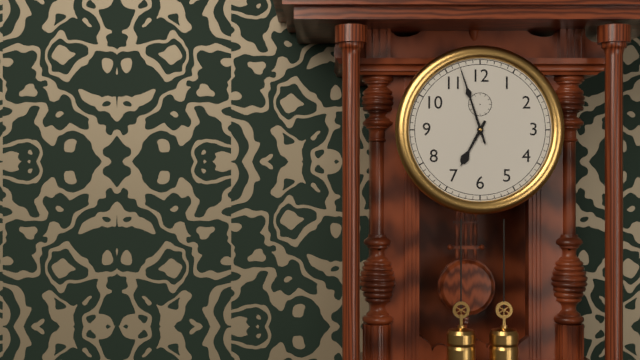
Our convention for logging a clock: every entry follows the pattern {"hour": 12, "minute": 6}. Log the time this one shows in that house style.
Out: {"hour": 6, "minute": 57}
